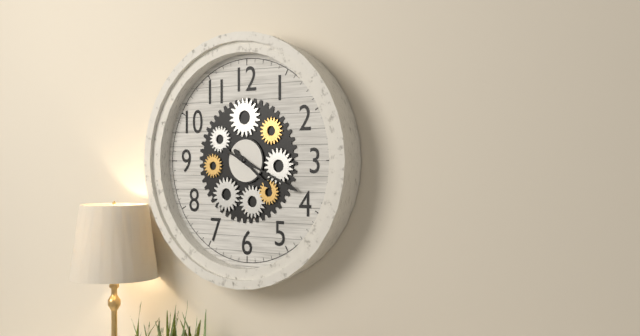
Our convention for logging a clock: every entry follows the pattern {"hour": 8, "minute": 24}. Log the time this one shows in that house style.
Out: {"hour": 4, "minute": 19}
